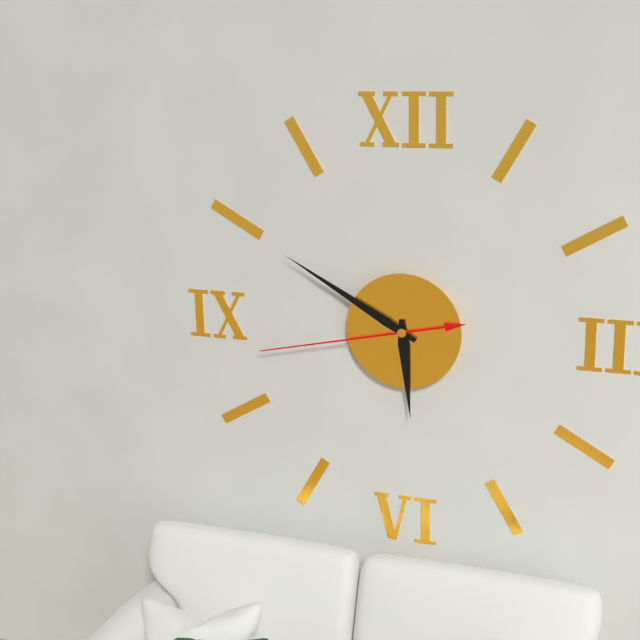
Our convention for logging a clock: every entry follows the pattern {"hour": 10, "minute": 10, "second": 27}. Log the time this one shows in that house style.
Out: {"hour": 5, "minute": 50, "second": 43}
